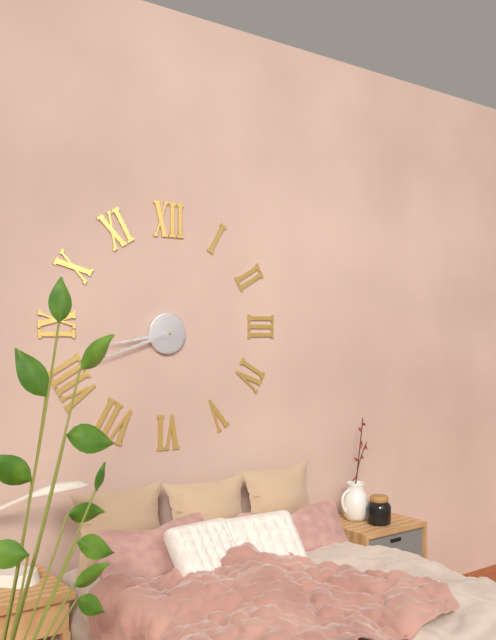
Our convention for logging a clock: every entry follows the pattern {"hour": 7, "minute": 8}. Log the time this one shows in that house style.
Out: {"hour": 8, "minute": 42}
